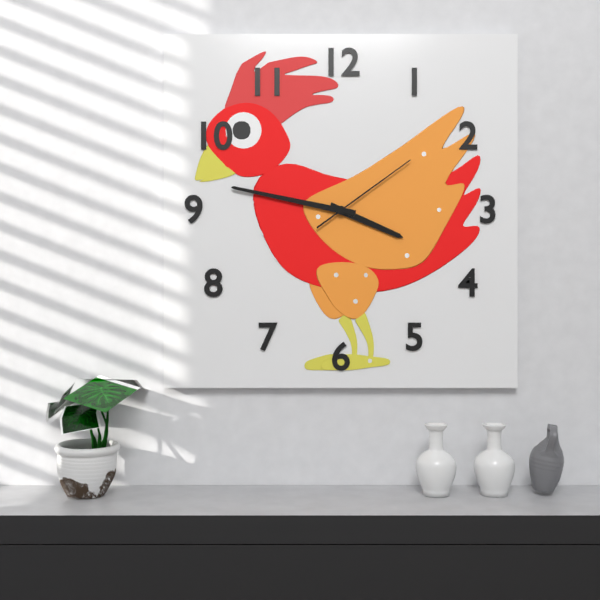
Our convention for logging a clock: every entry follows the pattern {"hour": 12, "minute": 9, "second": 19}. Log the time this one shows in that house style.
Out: {"hour": 3, "minute": 47, "second": 9}
